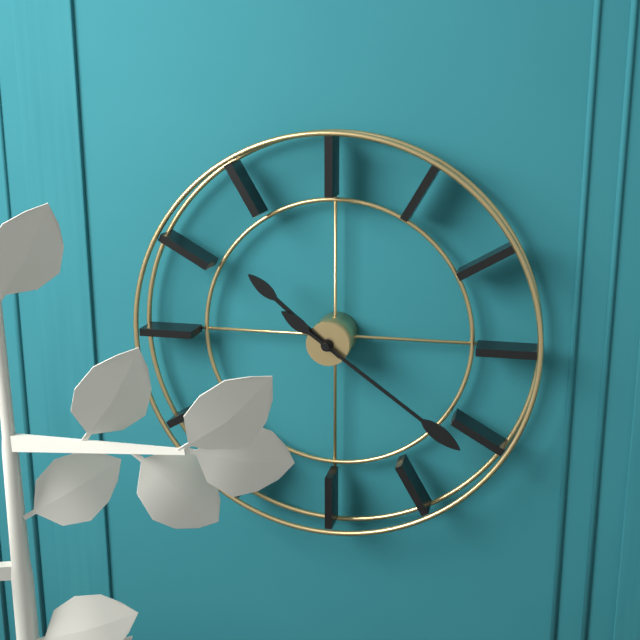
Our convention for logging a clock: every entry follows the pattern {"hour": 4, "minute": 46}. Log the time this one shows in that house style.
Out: {"hour": 10, "minute": 21}
